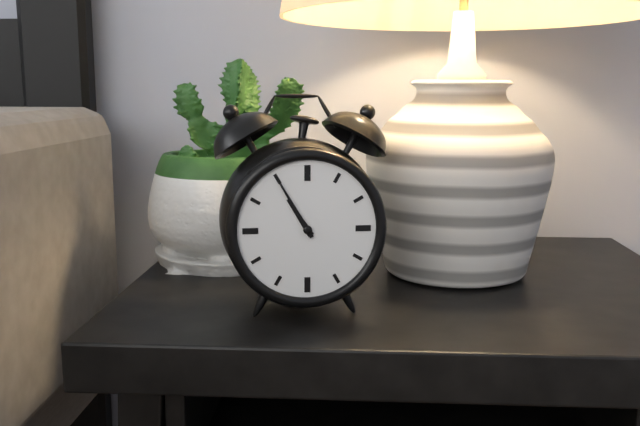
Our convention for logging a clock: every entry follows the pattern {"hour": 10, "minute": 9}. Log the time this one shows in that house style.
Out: {"hour": 10, "minute": 55}
